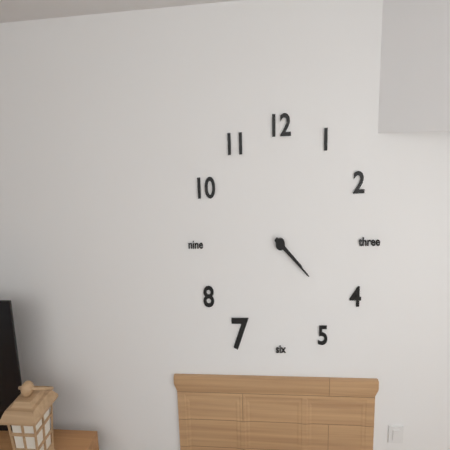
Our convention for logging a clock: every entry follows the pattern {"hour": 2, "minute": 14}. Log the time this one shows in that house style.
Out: {"hour": 4, "minute": 22}
